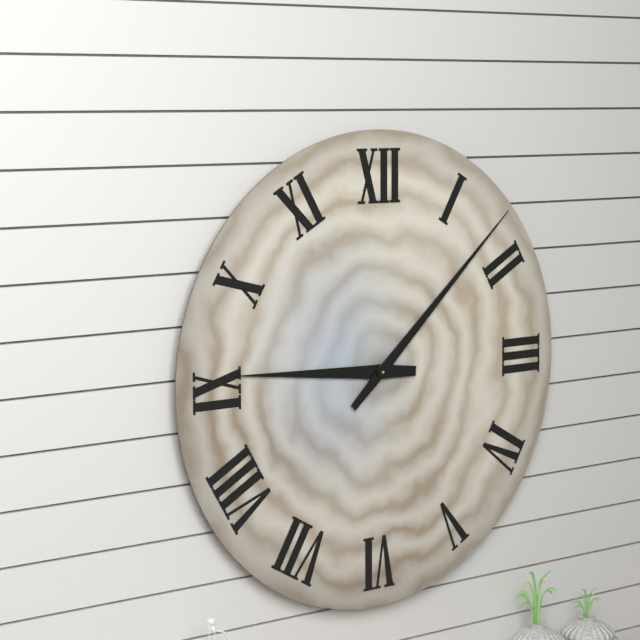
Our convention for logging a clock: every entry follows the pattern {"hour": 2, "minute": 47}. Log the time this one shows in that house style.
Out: {"hour": 9, "minute": 8}
